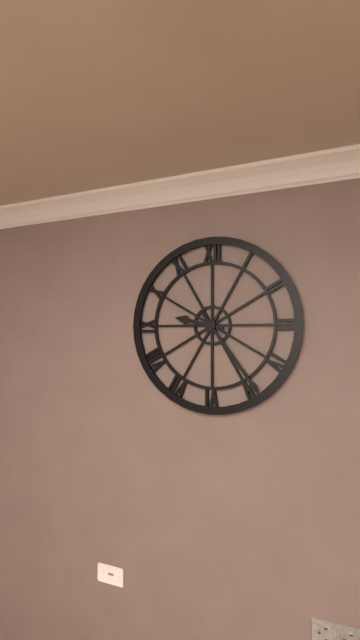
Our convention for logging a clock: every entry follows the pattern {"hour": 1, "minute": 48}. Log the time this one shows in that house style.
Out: {"hour": 9, "minute": 24}
